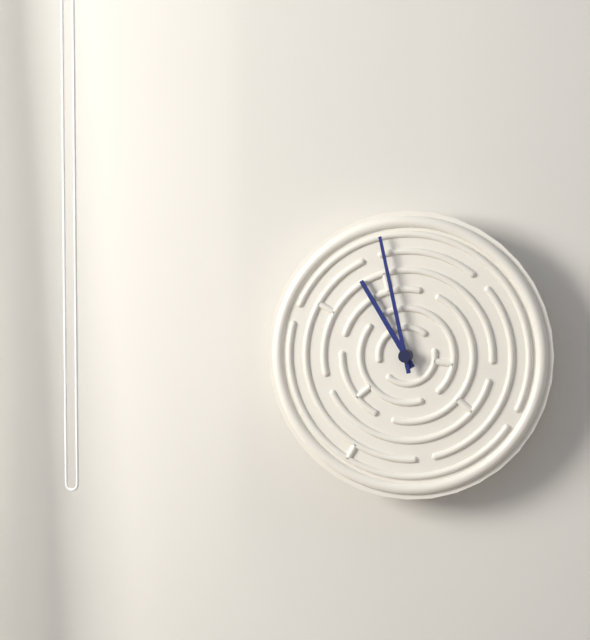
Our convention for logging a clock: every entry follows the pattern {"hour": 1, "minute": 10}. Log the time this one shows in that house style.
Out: {"hour": 10, "minute": 58}
